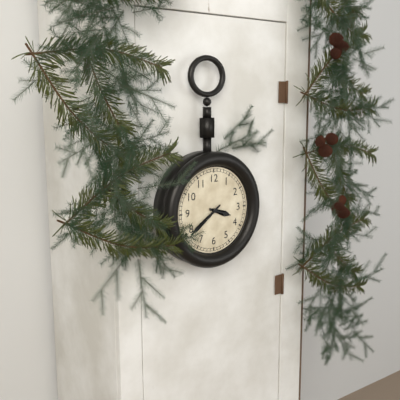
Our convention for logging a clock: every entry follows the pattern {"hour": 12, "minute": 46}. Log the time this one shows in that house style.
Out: {"hour": 3, "minute": 39}
